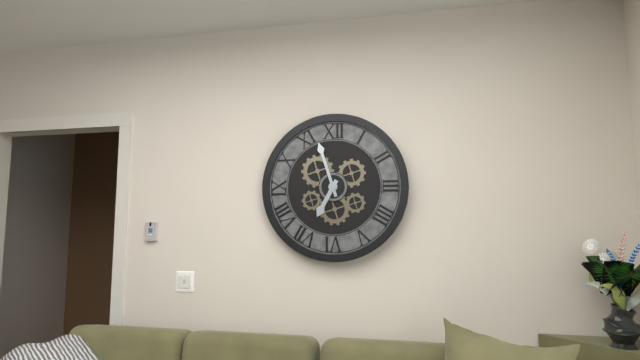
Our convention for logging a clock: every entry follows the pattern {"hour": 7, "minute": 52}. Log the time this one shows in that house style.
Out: {"hour": 6, "minute": 57}
